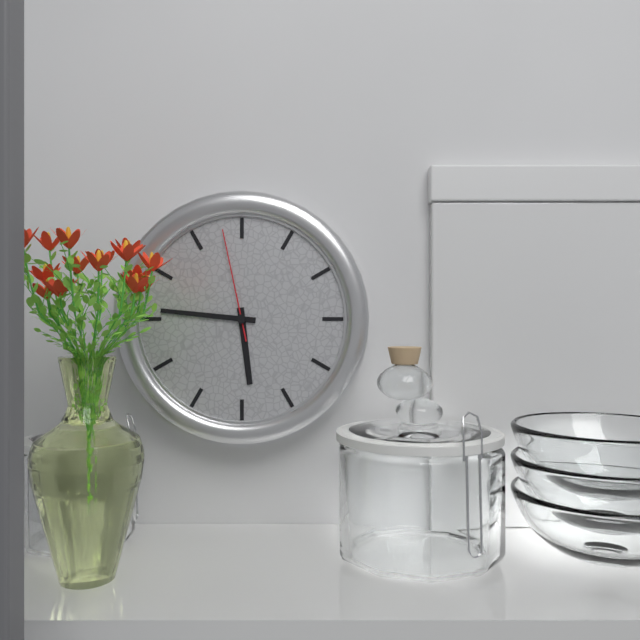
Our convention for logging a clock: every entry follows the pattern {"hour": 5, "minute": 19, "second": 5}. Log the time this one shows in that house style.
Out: {"hour": 5, "minute": 46, "second": 58}
